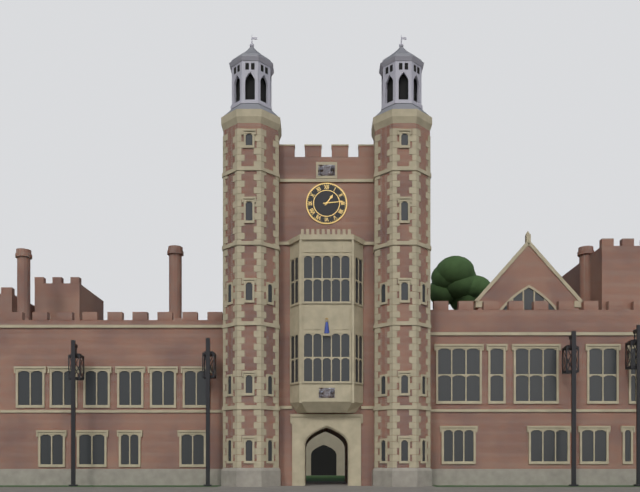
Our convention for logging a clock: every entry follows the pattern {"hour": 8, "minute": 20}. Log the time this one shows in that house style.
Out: {"hour": 1, "minute": 14}
